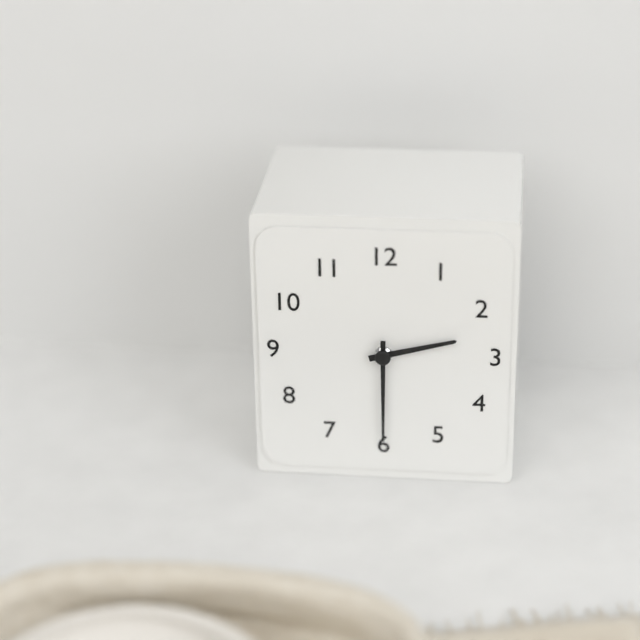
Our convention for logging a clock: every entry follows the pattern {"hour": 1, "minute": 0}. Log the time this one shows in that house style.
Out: {"hour": 2, "minute": 30}
